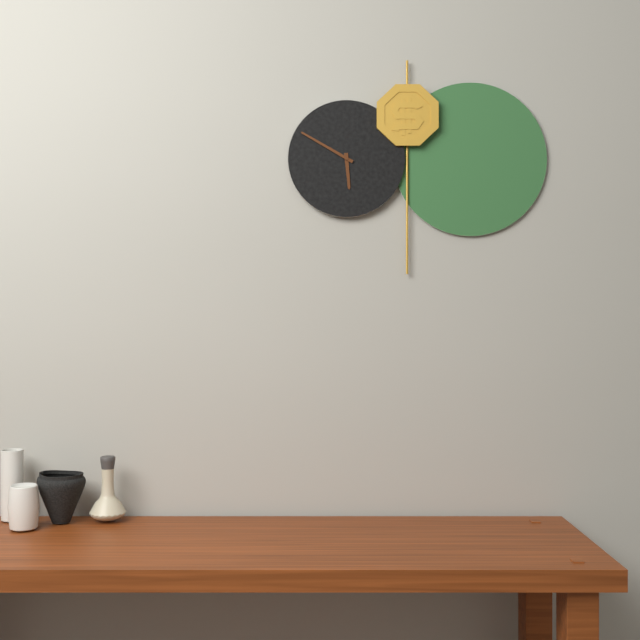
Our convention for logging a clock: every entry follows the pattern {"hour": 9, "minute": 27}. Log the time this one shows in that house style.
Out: {"hour": 5, "minute": 50}
